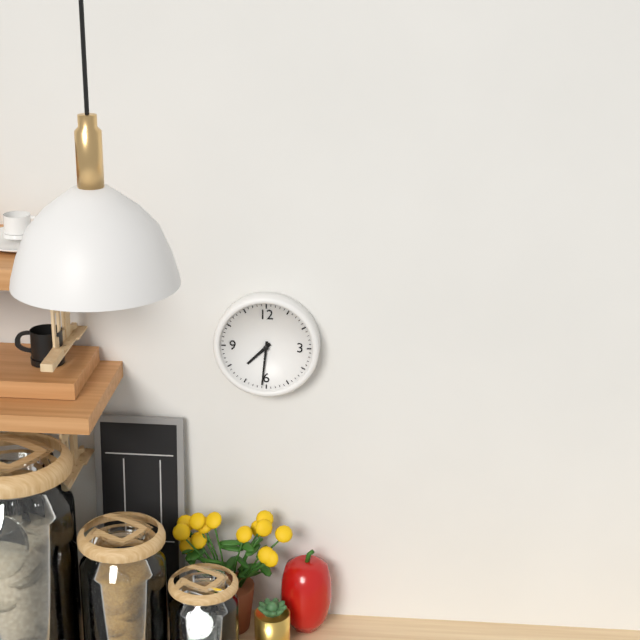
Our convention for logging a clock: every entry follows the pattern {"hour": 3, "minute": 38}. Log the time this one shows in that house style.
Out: {"hour": 7, "minute": 31}
